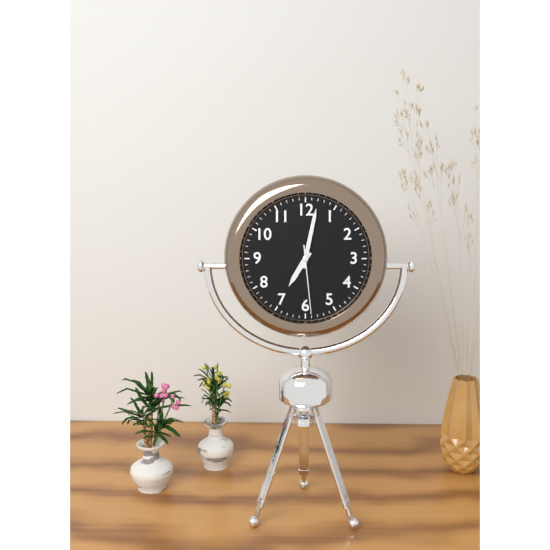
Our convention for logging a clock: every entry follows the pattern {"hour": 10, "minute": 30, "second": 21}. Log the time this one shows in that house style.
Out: {"hour": 7, "minute": 2, "second": 29}
